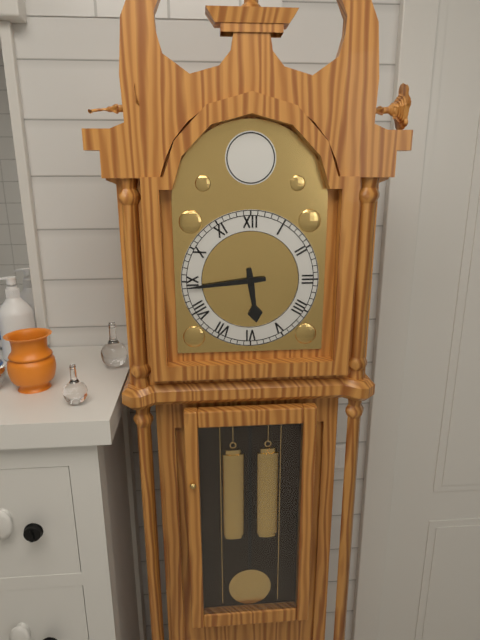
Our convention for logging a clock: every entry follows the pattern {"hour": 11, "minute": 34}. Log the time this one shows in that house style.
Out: {"hour": 5, "minute": 44}
